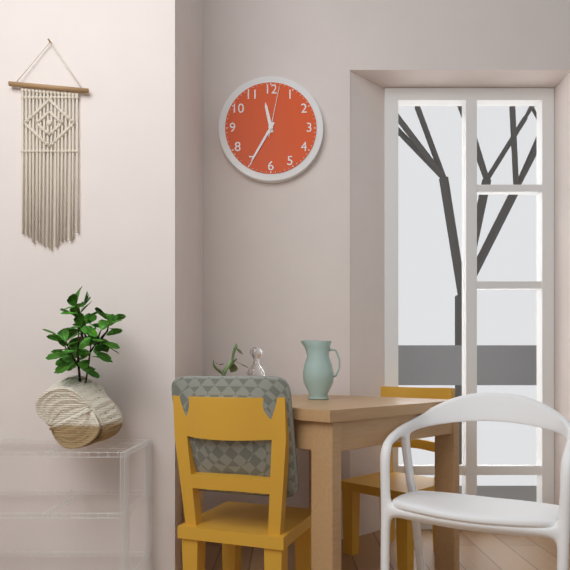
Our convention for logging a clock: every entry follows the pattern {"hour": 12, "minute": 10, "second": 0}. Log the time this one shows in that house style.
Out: {"hour": 11, "minute": 35, "second": 2}
